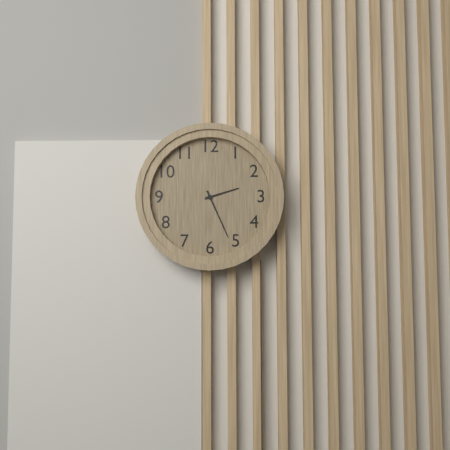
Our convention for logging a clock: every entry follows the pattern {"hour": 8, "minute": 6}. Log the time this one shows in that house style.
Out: {"hour": 2, "minute": 26}
